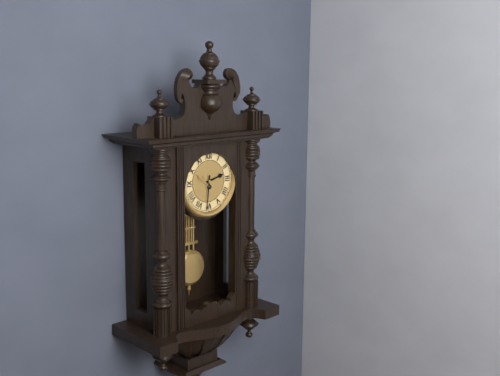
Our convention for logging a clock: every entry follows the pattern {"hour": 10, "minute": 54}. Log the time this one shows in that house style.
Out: {"hour": 2, "minute": 31}
